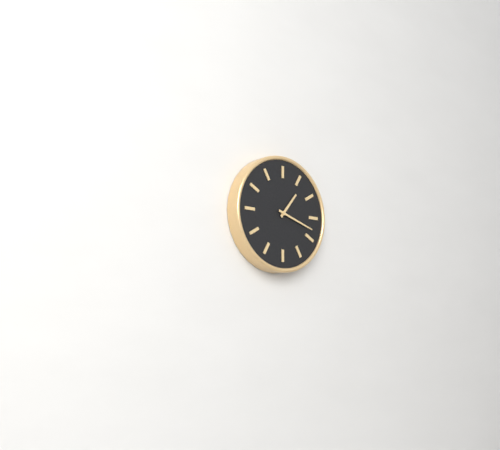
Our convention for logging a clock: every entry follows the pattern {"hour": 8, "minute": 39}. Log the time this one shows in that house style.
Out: {"hour": 1, "minute": 18}
